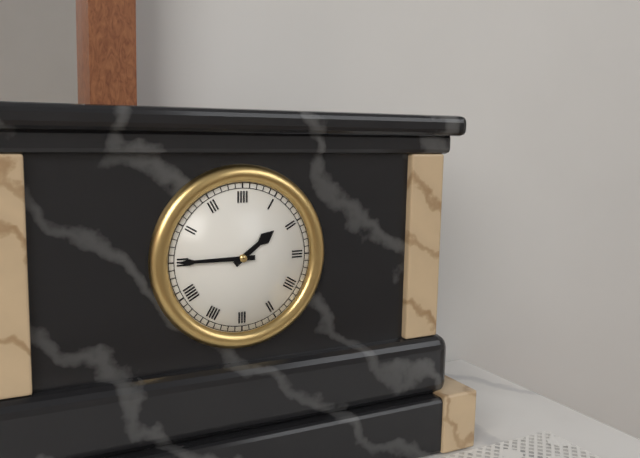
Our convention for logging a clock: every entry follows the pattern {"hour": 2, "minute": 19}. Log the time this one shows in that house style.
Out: {"hour": 1, "minute": 45}
